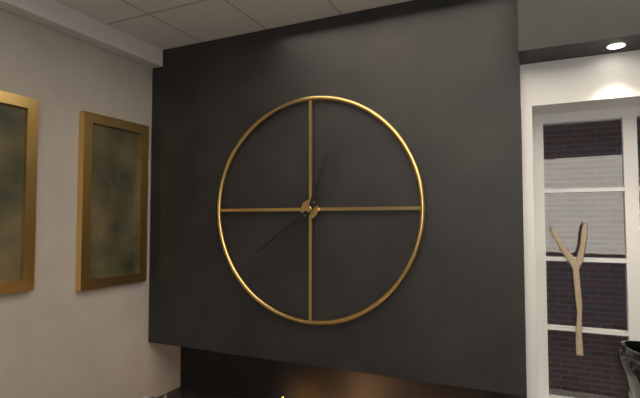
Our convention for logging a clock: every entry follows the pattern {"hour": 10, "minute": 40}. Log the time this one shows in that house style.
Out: {"hour": 12, "minute": 39}
